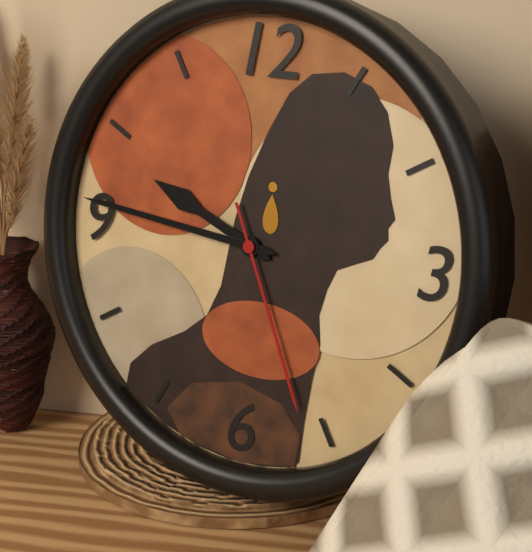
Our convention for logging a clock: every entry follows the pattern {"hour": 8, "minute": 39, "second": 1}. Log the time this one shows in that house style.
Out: {"hour": 9, "minute": 46, "second": 26}
